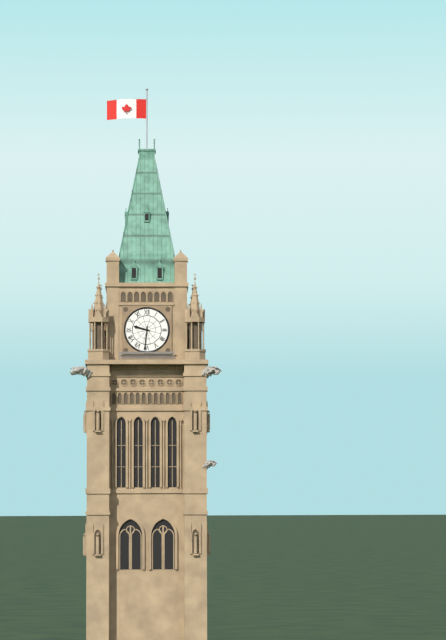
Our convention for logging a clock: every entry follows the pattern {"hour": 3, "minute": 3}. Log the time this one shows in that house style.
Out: {"hour": 9, "minute": 31}
